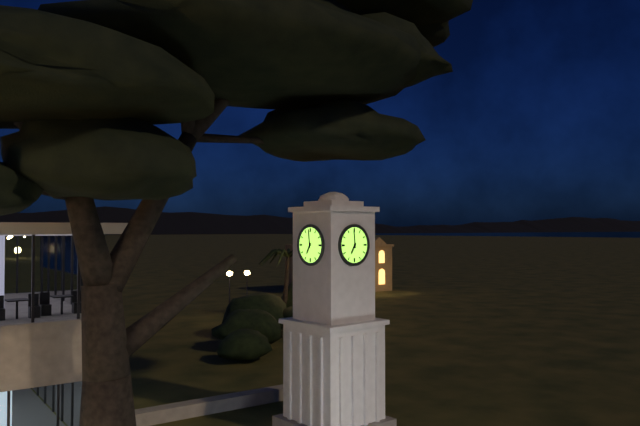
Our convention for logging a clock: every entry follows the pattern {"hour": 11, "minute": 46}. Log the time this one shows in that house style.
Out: {"hour": 6, "minute": 59}
